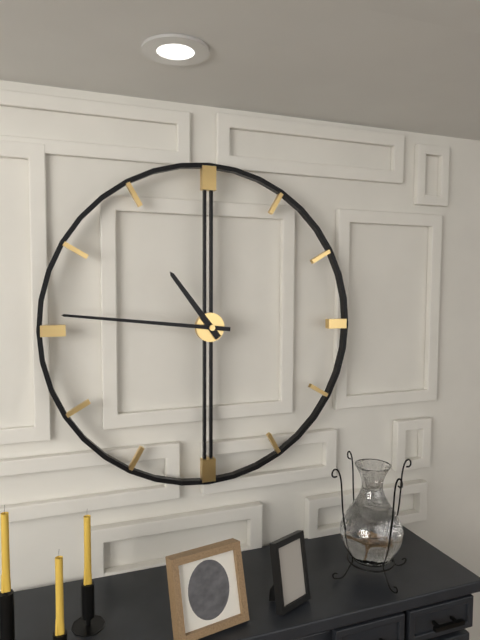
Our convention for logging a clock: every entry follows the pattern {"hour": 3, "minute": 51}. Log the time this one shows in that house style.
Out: {"hour": 10, "minute": 46}
